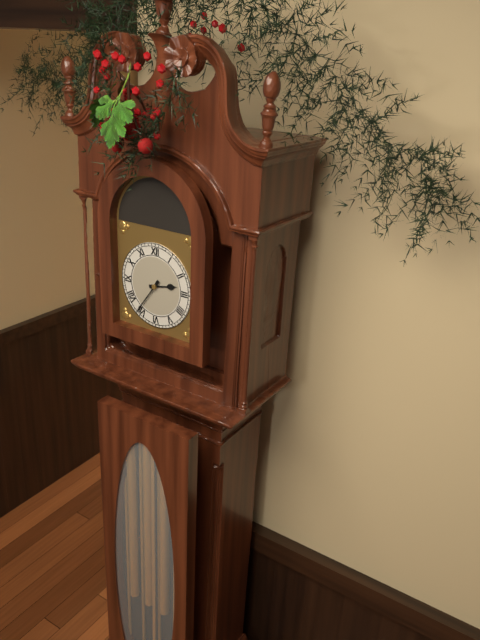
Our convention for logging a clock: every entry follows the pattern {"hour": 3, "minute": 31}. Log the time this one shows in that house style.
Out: {"hour": 2, "minute": 36}
